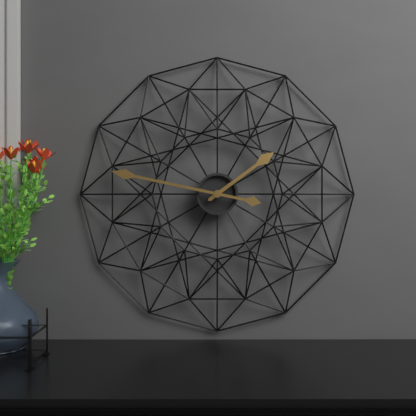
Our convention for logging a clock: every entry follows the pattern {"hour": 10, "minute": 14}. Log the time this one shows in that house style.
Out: {"hour": 1, "minute": 47}
